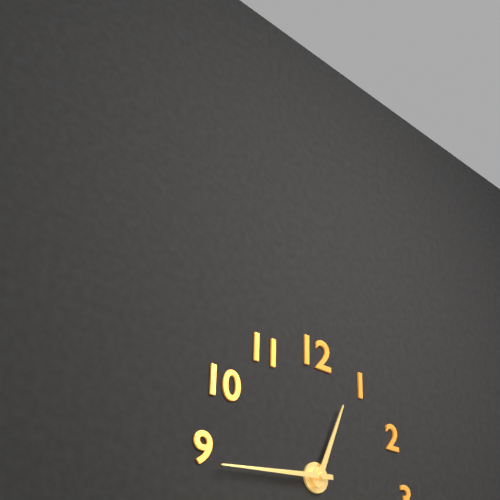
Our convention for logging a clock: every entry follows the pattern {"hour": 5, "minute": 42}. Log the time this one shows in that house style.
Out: {"hour": 12, "minute": 44}
